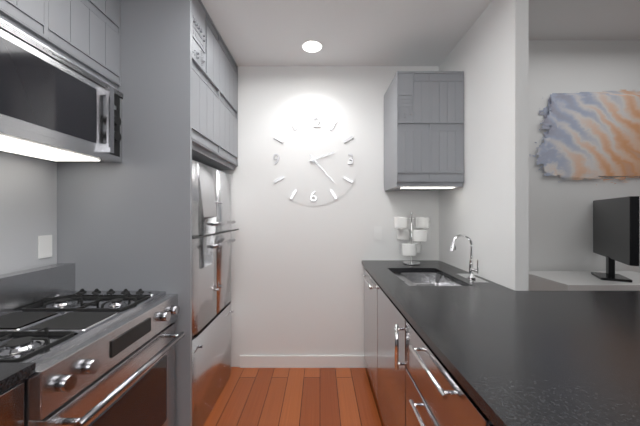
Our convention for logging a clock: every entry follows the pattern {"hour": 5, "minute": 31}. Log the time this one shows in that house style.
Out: {"hour": 2, "minute": 23}
